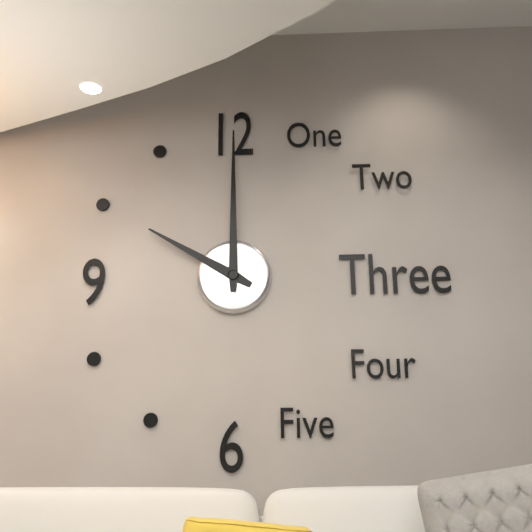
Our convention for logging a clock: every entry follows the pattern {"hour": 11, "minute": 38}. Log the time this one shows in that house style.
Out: {"hour": 10, "minute": 0}
